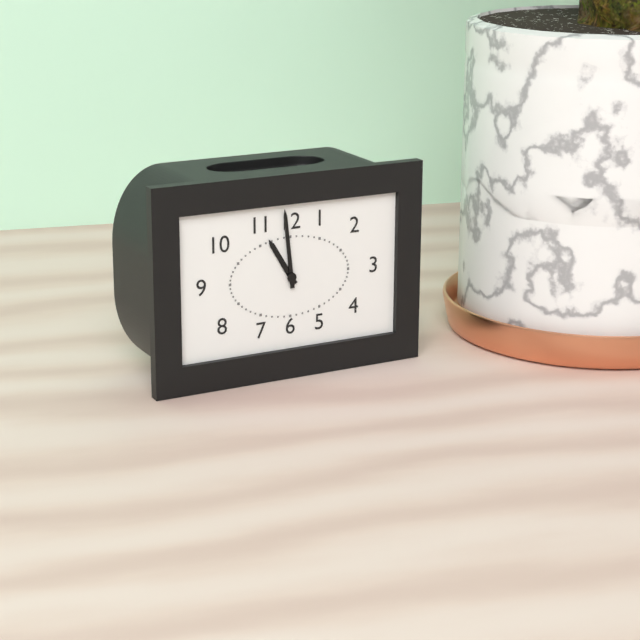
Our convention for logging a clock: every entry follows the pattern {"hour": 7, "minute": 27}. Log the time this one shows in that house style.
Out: {"hour": 10, "minute": 59}
